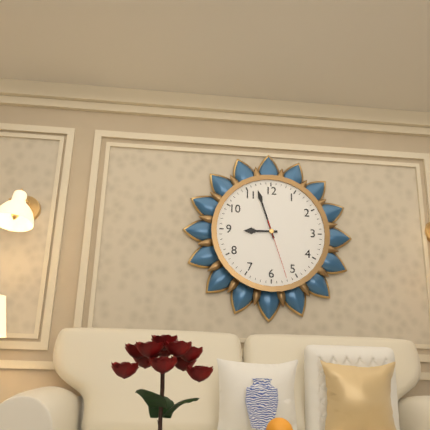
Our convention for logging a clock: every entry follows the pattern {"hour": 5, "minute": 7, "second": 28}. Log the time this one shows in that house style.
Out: {"hour": 8, "minute": 57, "second": 27}
